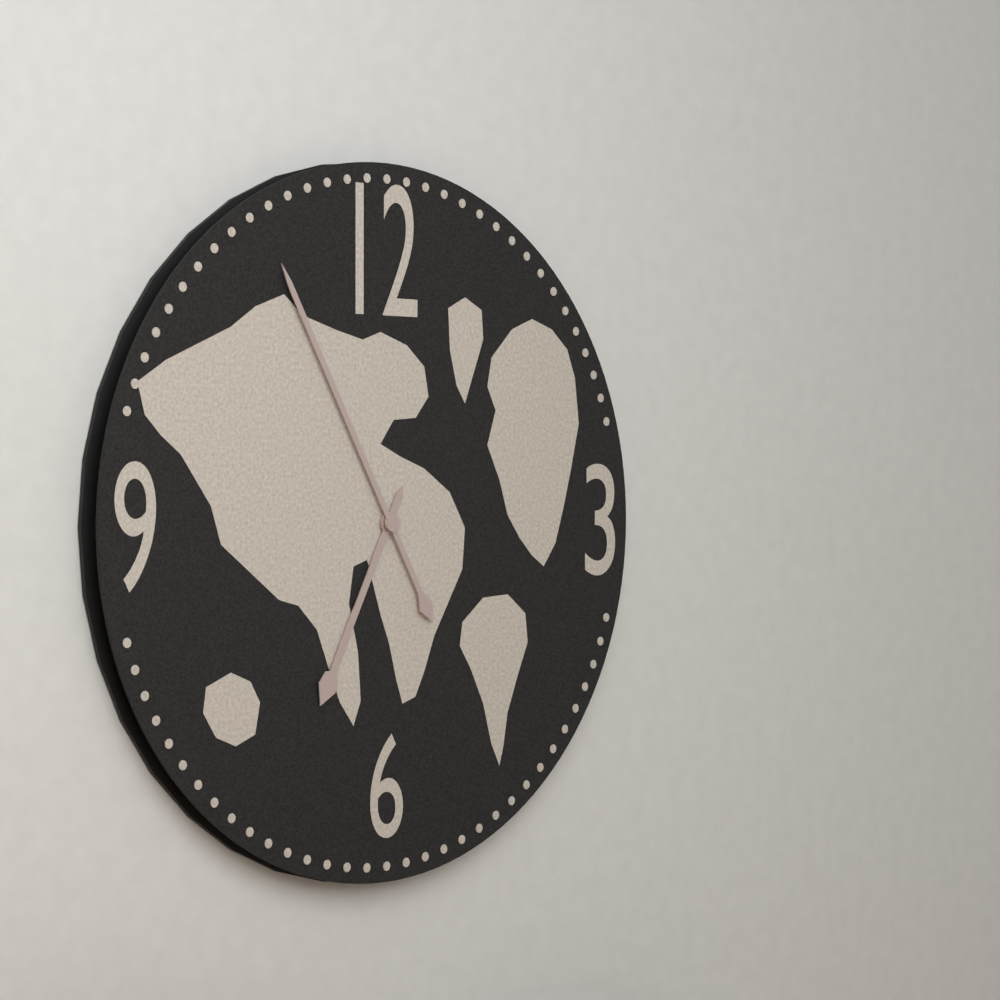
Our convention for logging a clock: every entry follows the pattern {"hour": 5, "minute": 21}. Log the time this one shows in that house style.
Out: {"hour": 6, "minute": 55}
